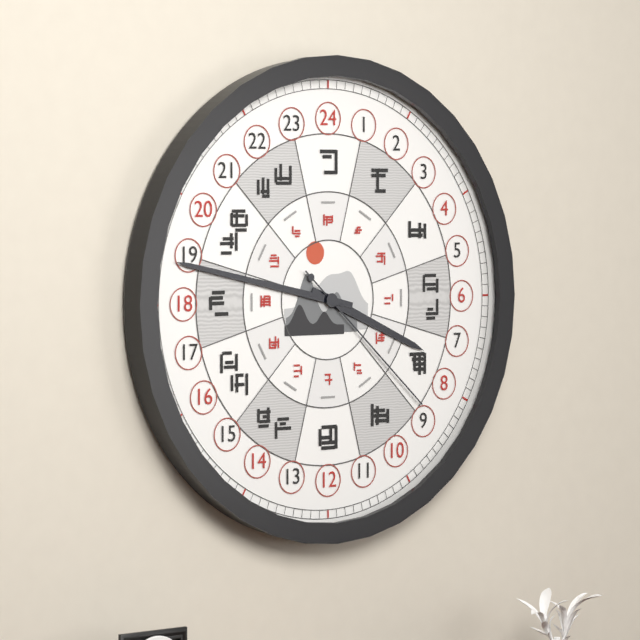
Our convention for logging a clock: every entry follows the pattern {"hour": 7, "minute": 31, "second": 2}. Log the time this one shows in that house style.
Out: {"hour": 3, "minute": 47, "second": 22}
